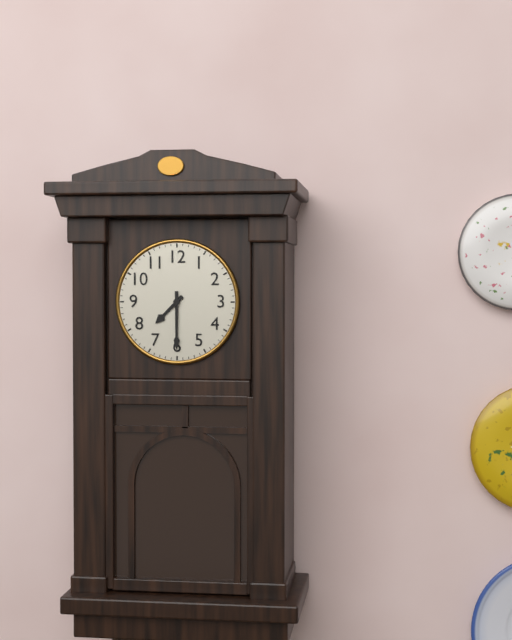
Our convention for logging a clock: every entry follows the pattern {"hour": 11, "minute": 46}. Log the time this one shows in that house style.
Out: {"hour": 7, "minute": 30}
